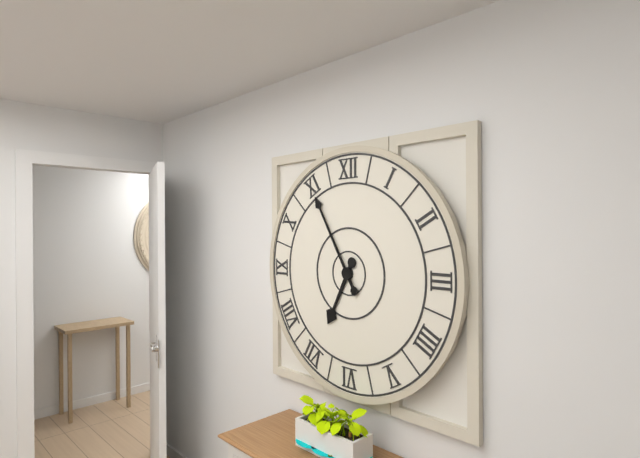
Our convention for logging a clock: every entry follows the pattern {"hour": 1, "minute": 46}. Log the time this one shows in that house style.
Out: {"hour": 6, "minute": 55}
